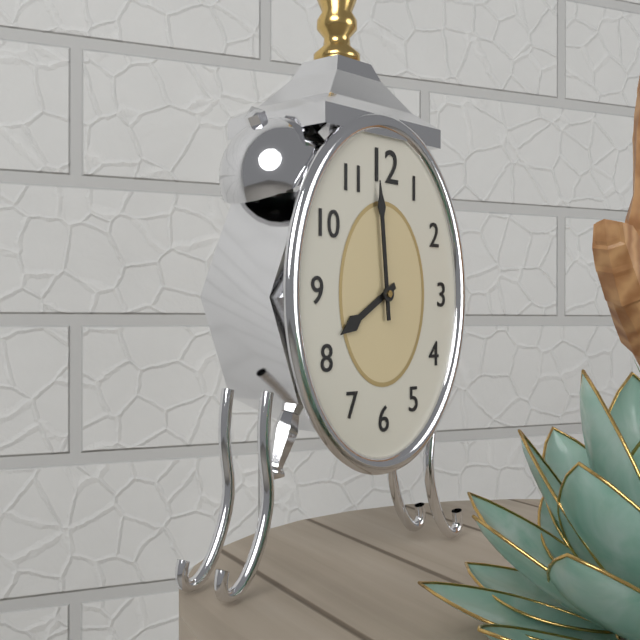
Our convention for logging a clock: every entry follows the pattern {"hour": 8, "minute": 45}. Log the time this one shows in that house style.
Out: {"hour": 7, "minute": 59}
